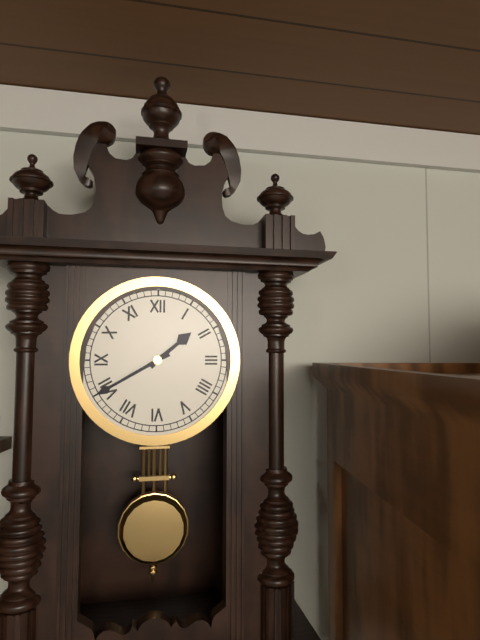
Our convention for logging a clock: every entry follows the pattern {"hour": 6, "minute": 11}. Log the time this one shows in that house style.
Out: {"hour": 1, "minute": 40}
